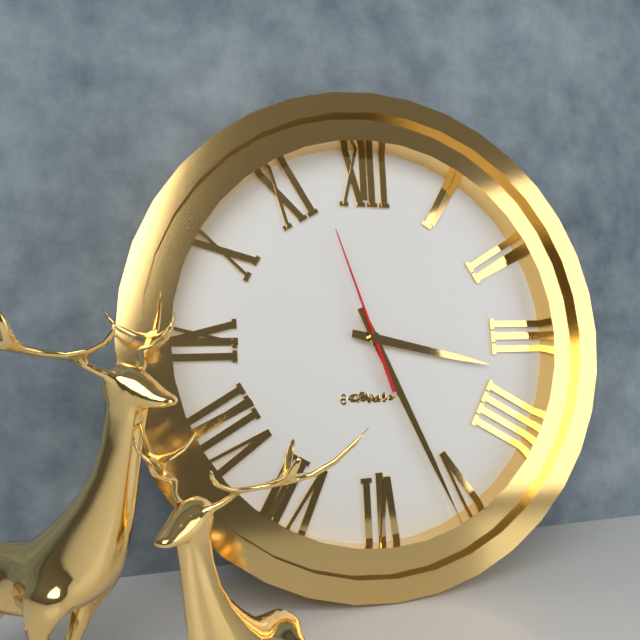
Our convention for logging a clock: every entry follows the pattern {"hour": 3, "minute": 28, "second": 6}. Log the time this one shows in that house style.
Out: {"hour": 3, "minute": 26, "second": 57}
